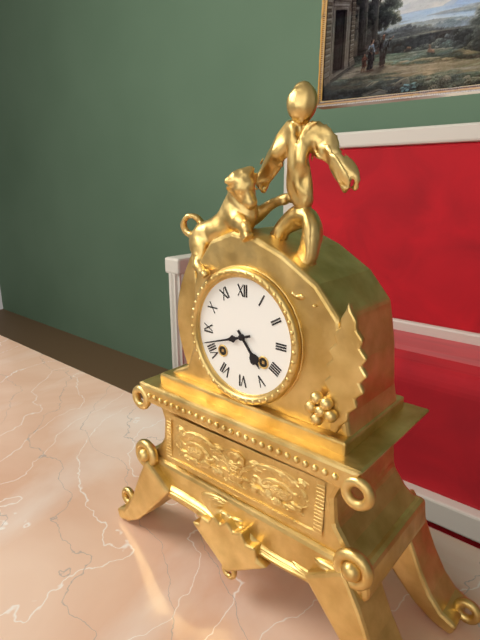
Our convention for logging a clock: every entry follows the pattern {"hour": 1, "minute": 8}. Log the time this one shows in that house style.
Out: {"hour": 4, "minute": 42}
